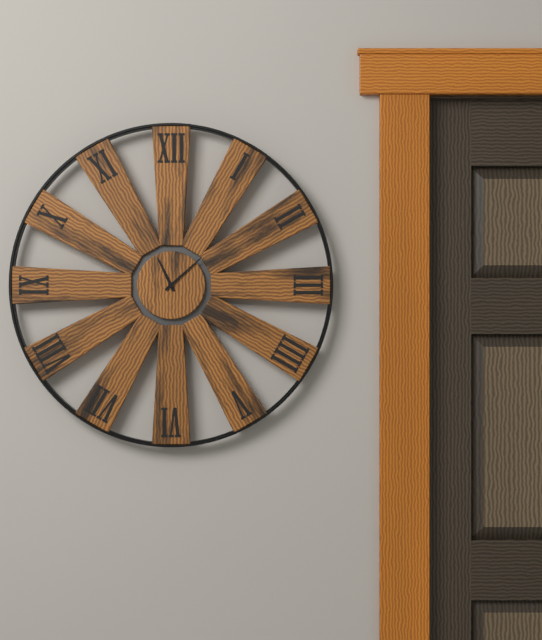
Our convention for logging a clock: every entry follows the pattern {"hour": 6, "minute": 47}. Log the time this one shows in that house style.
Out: {"hour": 11, "minute": 8}
